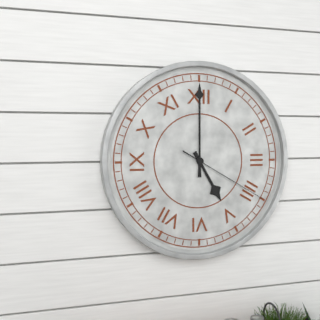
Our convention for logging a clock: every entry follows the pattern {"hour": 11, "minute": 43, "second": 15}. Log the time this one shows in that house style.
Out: {"hour": 5, "minute": 0, "second": 20}
